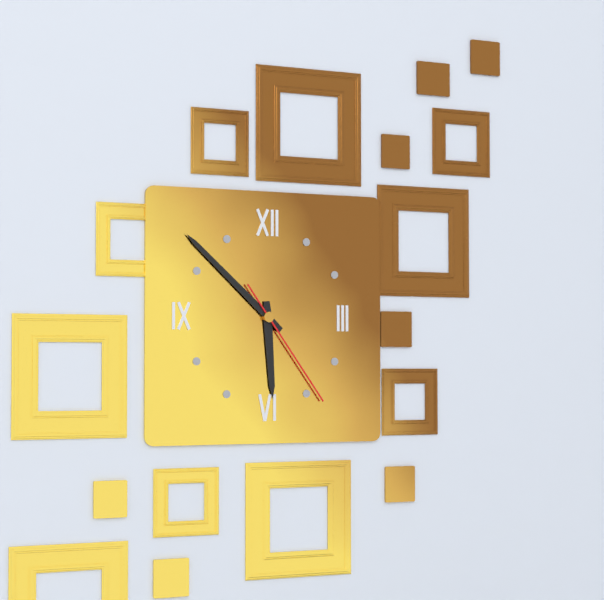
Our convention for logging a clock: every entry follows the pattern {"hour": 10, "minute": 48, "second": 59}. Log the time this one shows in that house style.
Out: {"hour": 5, "minute": 52, "second": 24}
